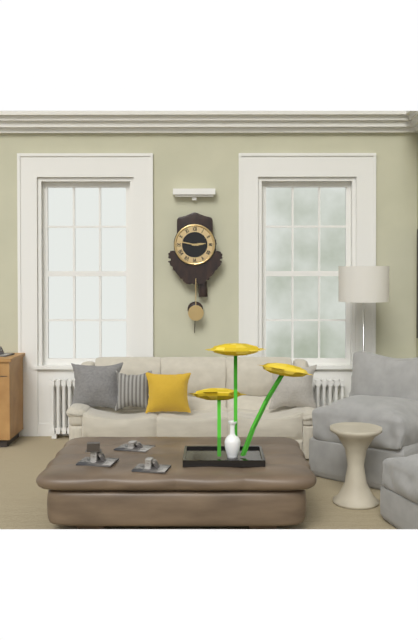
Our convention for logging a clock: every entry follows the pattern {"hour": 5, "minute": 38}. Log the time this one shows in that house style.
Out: {"hour": 2, "minute": 47}
